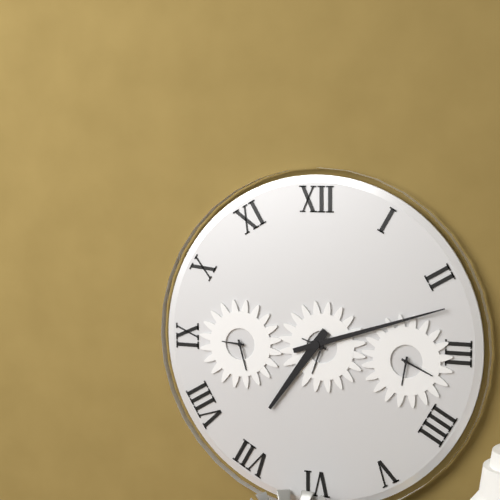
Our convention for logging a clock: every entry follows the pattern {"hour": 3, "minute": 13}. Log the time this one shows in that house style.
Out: {"hour": 7, "minute": 12}
